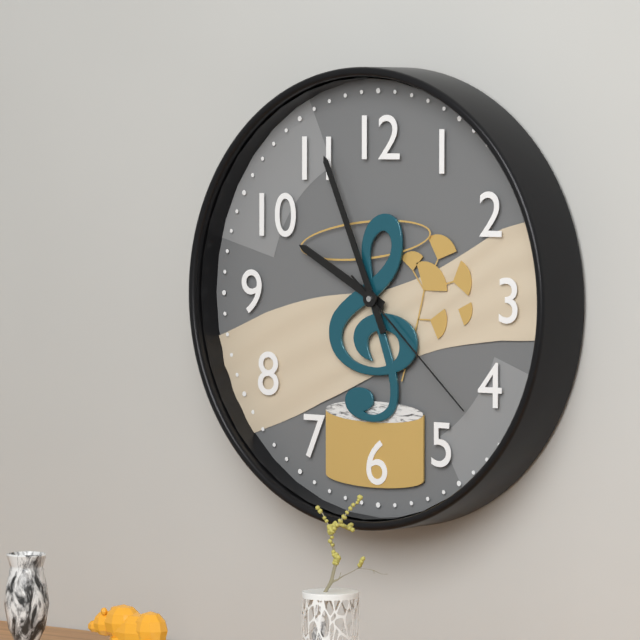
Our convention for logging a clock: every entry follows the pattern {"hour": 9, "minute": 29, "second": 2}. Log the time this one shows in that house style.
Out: {"hour": 9, "minute": 56, "second": 22}
